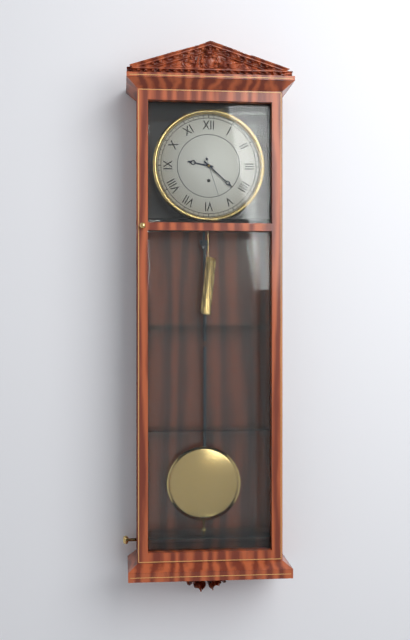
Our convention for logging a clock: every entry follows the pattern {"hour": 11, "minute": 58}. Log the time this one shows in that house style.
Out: {"hour": 9, "minute": 22}
